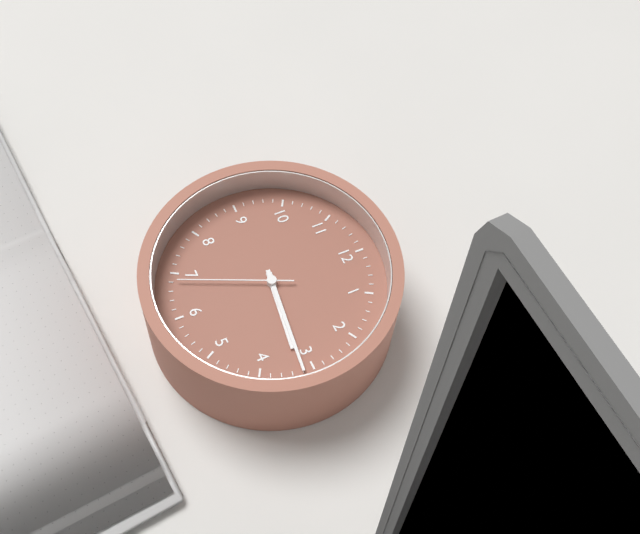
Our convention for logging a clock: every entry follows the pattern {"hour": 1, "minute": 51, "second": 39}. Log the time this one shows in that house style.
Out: {"hour": 3, "minute": 16, "second": 34}
